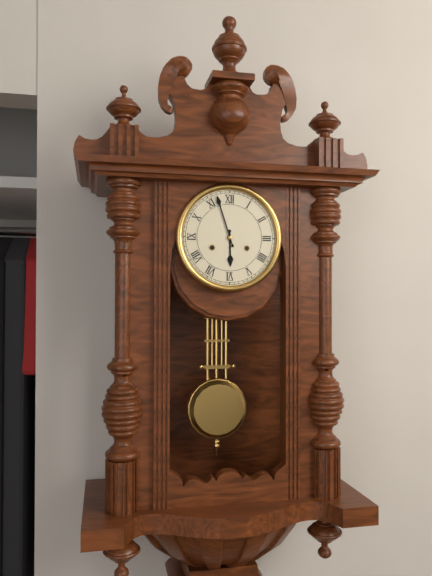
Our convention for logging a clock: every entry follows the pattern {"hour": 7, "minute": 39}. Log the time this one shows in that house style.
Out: {"hour": 5, "minute": 57}
